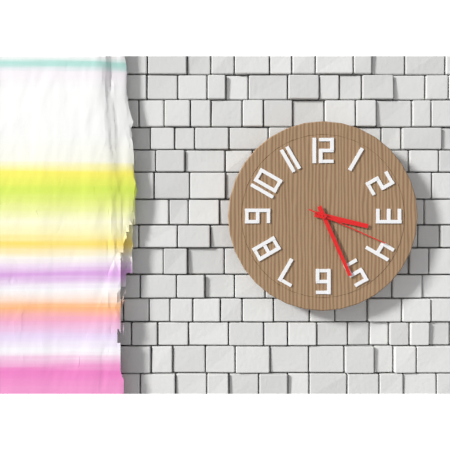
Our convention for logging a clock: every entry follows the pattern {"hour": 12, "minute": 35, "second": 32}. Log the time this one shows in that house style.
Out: {"hour": 3, "minute": 26, "second": 19}
